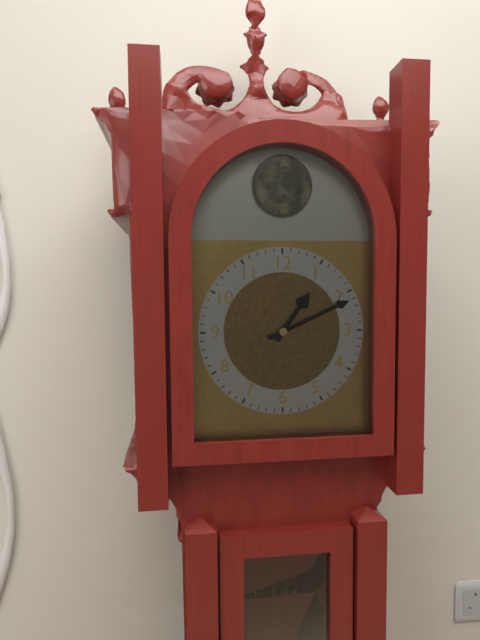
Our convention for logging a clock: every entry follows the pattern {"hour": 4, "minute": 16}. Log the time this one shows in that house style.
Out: {"hour": 1, "minute": 11}
